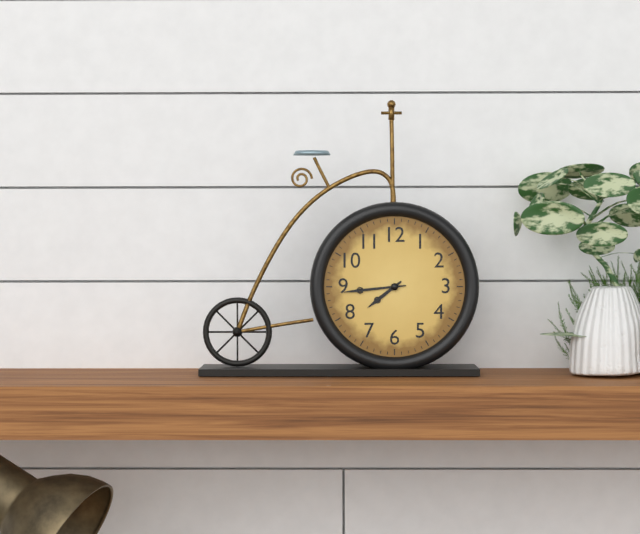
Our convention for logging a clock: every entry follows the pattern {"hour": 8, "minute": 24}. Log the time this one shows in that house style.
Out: {"hour": 7, "minute": 44}
